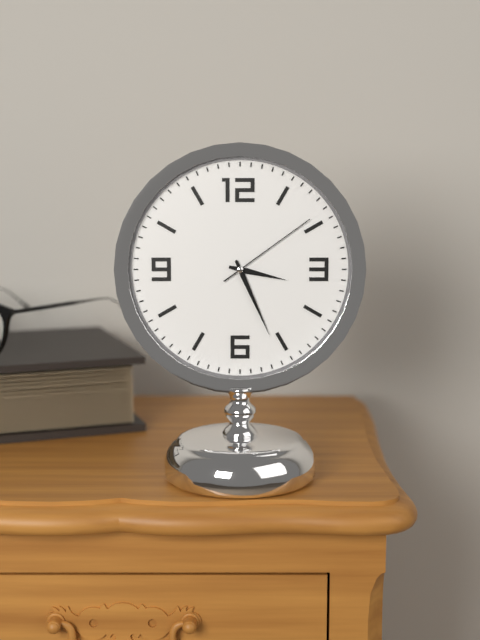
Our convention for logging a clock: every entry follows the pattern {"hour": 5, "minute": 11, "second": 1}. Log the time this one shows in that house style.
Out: {"hour": 3, "minute": 26, "second": 9}
